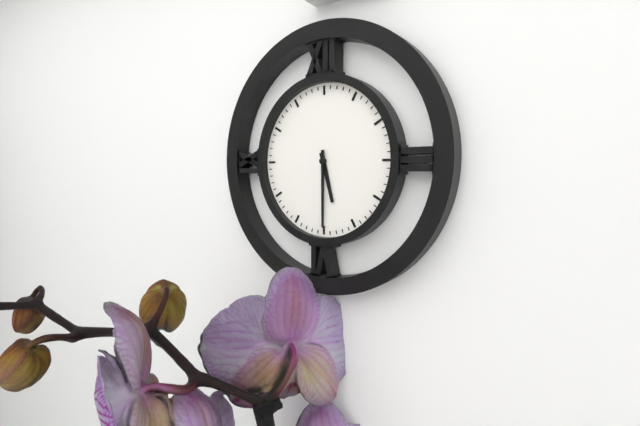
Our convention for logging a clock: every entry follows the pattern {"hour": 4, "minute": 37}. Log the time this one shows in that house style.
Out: {"hour": 5, "minute": 30}
